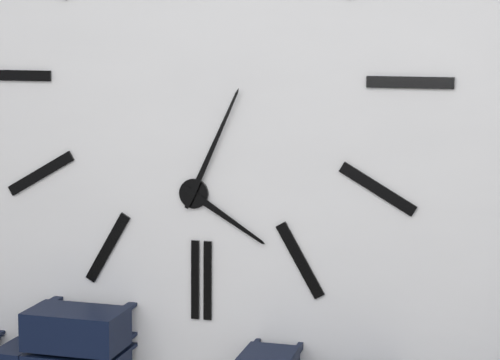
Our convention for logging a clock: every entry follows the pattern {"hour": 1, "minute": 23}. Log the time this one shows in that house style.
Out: {"hour": 4, "minute": 4}
